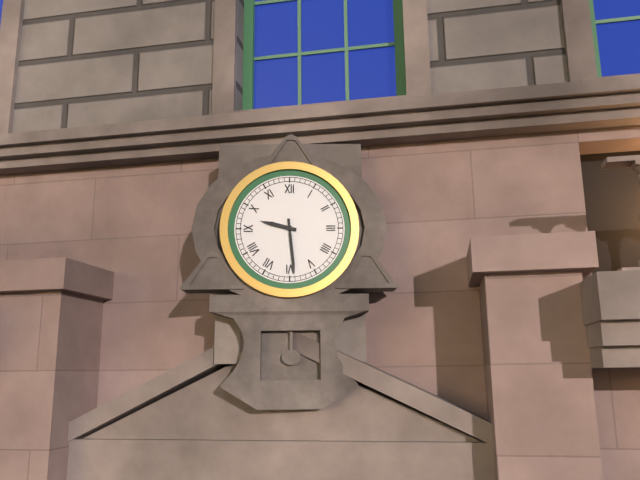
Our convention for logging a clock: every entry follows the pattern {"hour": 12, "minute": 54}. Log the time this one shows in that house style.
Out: {"hour": 9, "minute": 29}
